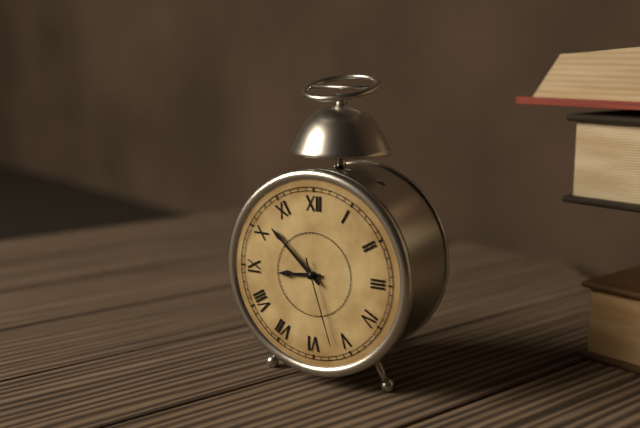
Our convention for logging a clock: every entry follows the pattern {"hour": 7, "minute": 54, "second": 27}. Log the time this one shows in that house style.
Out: {"hour": 8, "minute": 52, "second": 27}
